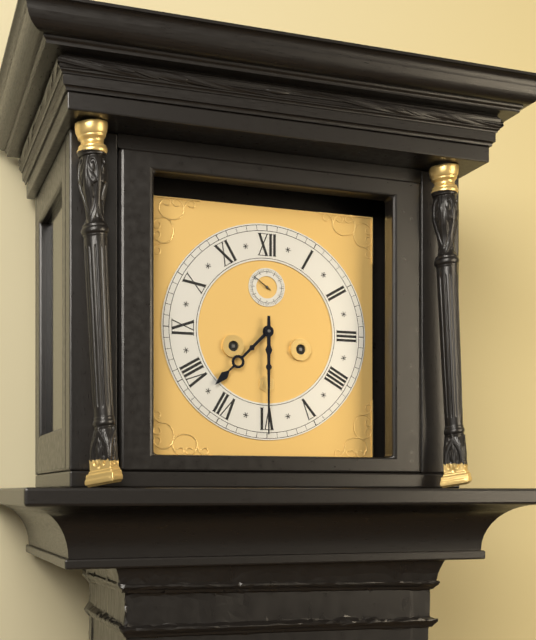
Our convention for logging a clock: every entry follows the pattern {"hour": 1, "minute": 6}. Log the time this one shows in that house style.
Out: {"hour": 7, "minute": 30}
